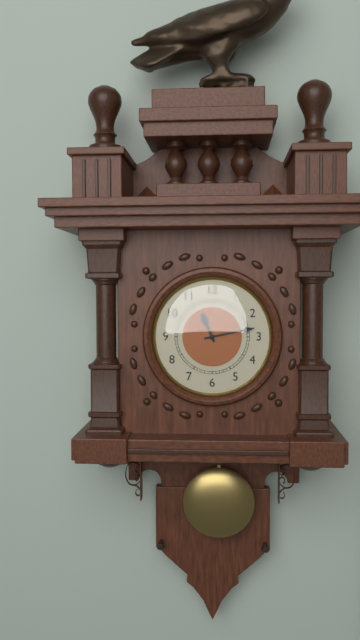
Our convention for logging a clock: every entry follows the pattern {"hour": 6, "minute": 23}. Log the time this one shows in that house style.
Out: {"hour": 11, "minute": 13}
